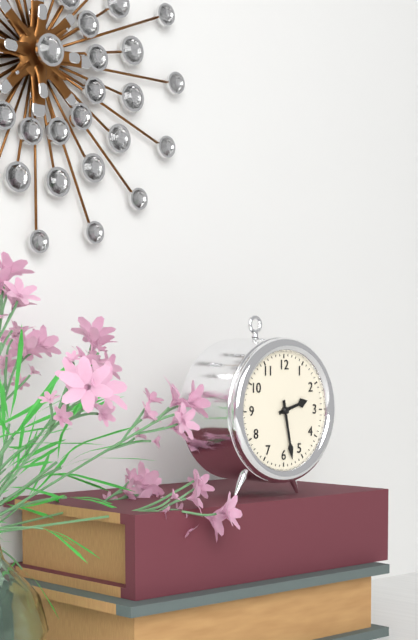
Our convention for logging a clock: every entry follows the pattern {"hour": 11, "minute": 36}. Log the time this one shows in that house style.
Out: {"hour": 2, "minute": 28}
